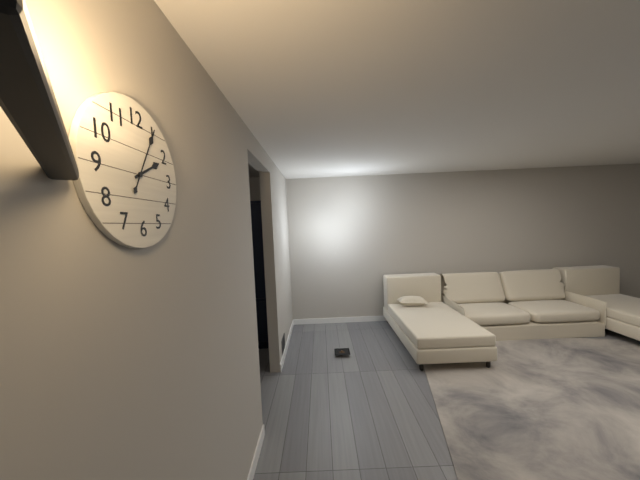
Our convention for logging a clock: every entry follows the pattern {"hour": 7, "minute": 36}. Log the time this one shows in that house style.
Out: {"hour": 2, "minute": 5}
